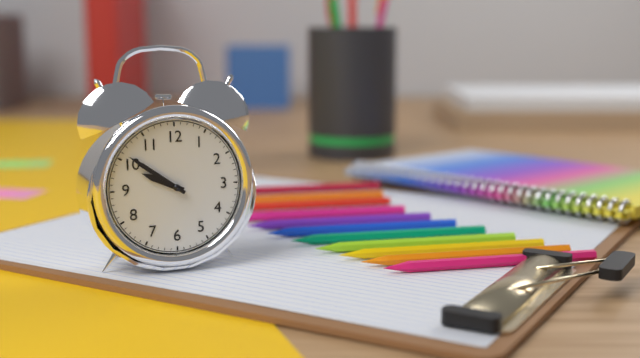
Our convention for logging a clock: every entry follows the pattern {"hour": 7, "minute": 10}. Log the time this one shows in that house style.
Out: {"hour": 9, "minute": 51}
